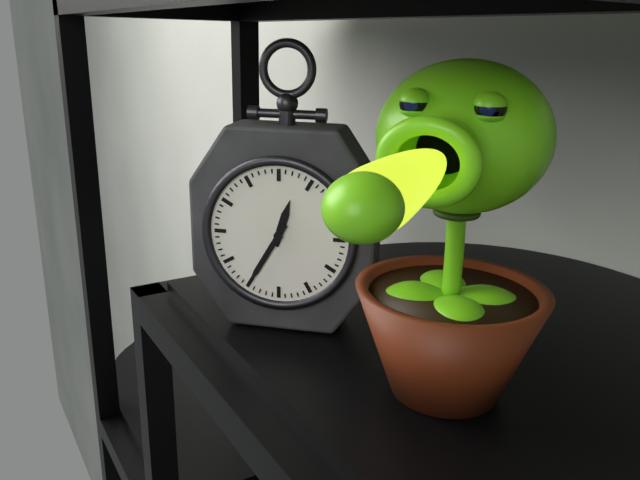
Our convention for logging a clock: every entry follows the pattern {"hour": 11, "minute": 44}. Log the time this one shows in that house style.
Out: {"hour": 12, "minute": 35}
